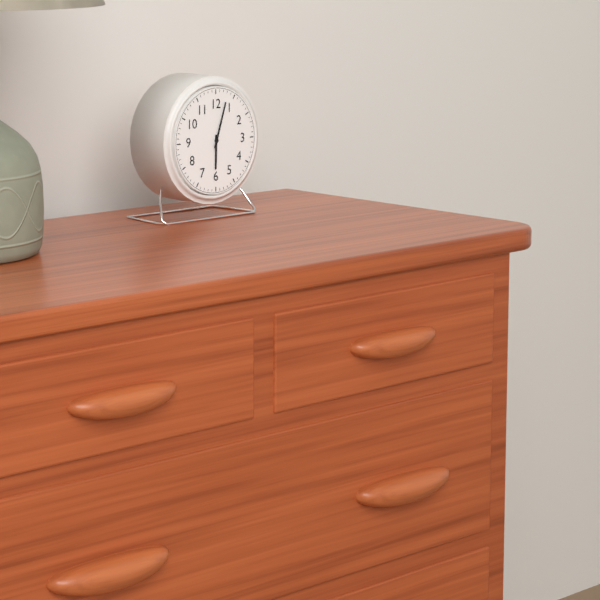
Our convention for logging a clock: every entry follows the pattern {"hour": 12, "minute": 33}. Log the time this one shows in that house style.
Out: {"hour": 6, "minute": 3}
